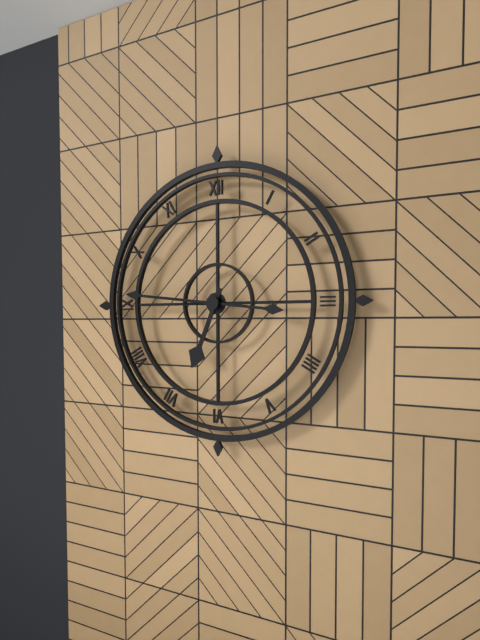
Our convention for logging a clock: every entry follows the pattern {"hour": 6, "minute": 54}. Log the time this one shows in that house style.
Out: {"hour": 6, "minute": 46}
